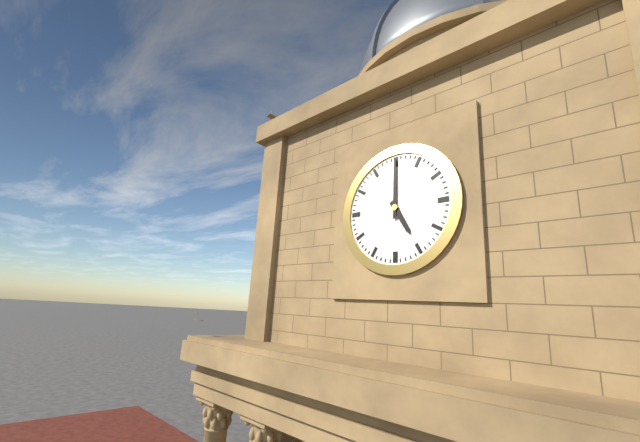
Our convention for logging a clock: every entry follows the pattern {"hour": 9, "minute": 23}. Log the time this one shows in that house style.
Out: {"hour": 5, "minute": 0}
